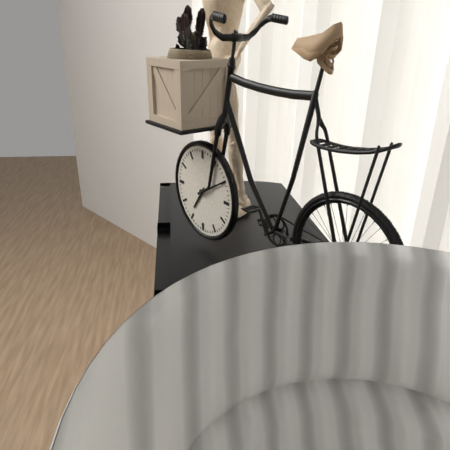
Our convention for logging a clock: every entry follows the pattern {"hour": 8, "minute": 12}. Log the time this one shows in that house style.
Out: {"hour": 7, "minute": 10}
